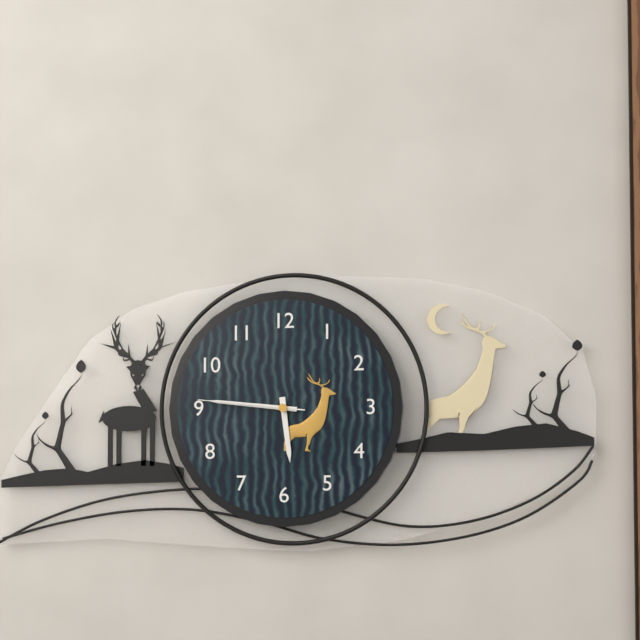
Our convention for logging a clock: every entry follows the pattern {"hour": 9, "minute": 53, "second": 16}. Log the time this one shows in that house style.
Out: {"hour": 5, "minute": 46, "second": 46}
